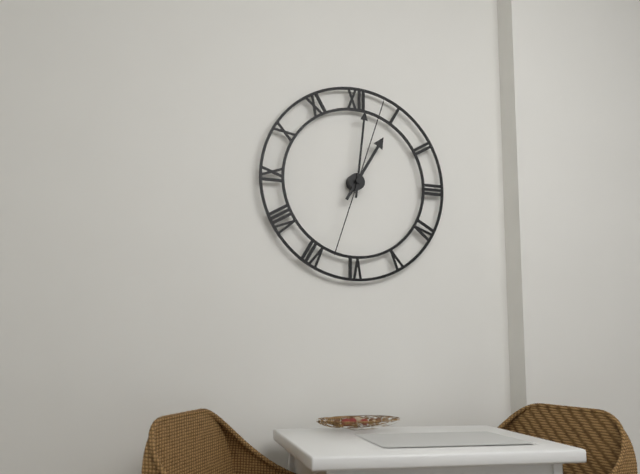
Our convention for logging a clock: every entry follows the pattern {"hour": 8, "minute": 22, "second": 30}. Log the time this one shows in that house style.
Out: {"hour": 1, "minute": 1, "second": 3}
